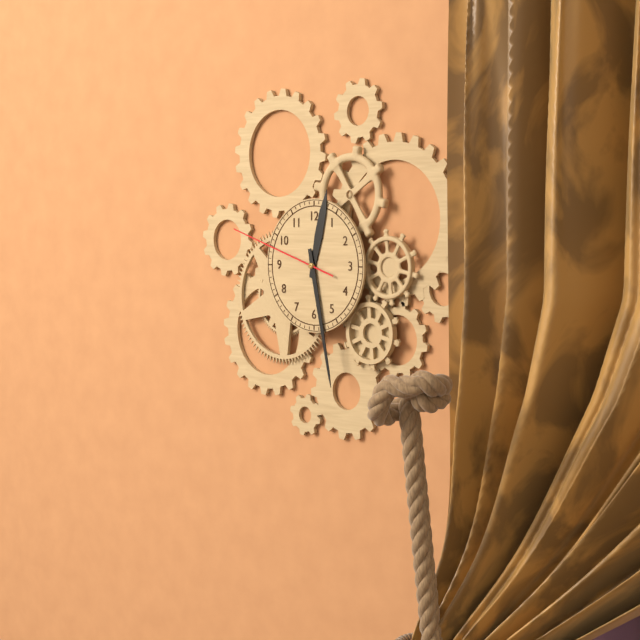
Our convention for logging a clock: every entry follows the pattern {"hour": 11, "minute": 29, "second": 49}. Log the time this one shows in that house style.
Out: {"hour": 12, "minute": 28, "second": 48}
